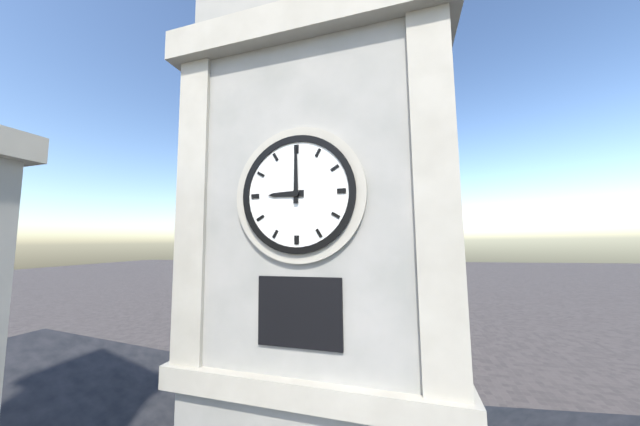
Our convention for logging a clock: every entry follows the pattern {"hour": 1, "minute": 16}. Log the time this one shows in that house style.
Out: {"hour": 9, "minute": 0}
